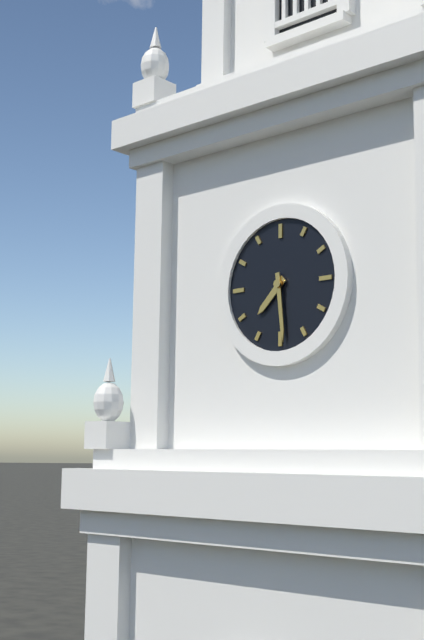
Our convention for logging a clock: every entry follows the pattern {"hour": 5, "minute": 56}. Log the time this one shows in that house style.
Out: {"hour": 7, "minute": 29}
